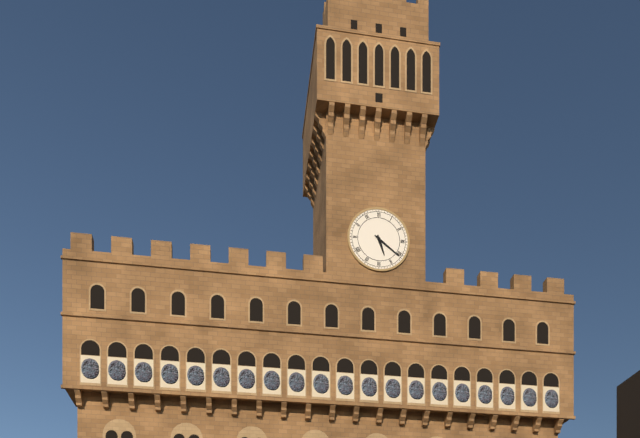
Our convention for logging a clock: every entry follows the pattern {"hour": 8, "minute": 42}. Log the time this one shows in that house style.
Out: {"hour": 5, "minute": 21}
